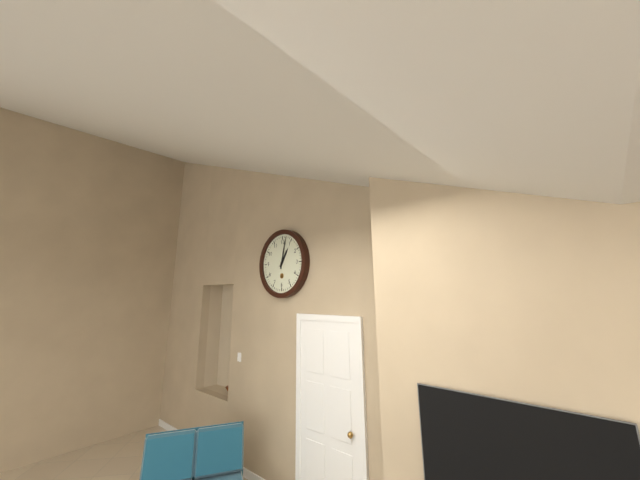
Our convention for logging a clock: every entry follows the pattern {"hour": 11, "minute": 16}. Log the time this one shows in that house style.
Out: {"hour": 1, "minute": 2}
